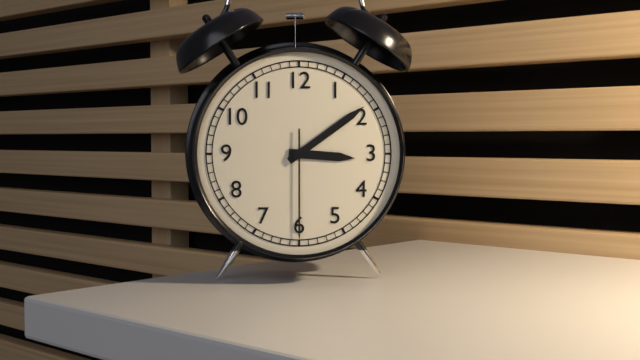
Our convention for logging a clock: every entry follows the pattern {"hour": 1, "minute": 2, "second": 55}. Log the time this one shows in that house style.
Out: {"hour": 3, "minute": 9, "second": 30}
